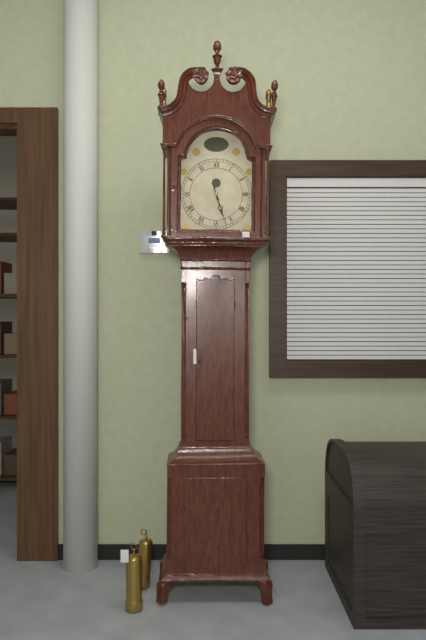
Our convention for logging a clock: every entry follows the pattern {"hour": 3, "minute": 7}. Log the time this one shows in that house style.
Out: {"hour": 5, "minute": 27}
